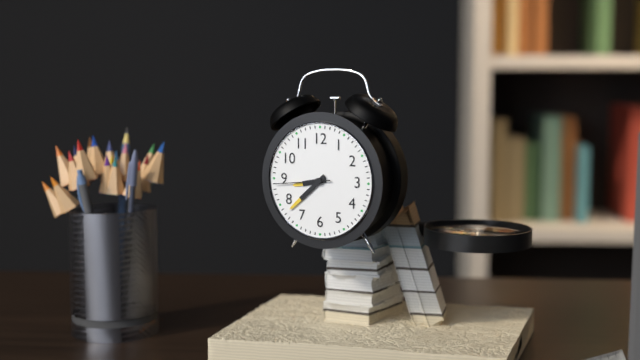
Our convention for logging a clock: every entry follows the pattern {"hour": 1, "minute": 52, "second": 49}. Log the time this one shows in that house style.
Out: {"hour": 8, "minute": 38, "second": 44}
